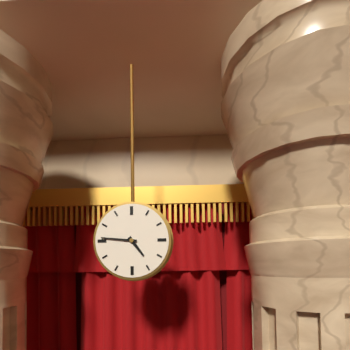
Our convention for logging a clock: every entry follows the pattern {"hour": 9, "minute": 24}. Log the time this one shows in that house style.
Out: {"hour": 4, "minute": 46}
